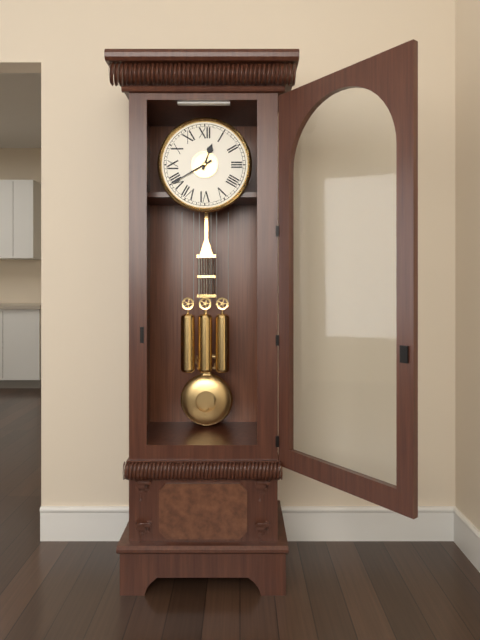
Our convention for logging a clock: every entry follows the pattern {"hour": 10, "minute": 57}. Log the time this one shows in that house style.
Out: {"hour": 12, "minute": 40}
